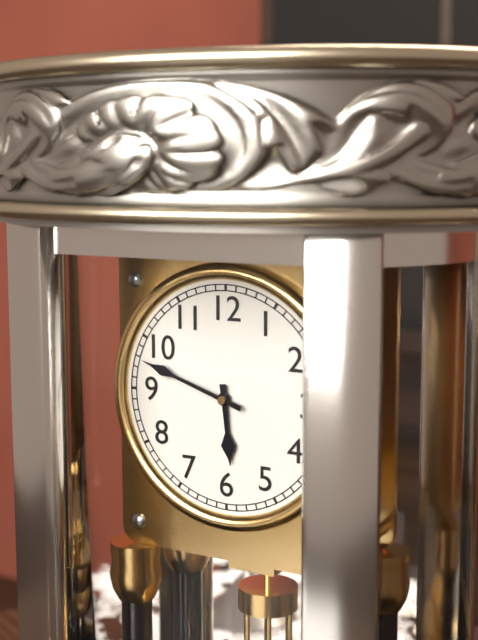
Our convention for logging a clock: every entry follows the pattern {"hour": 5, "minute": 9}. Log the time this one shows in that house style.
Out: {"hour": 5, "minute": 48}
